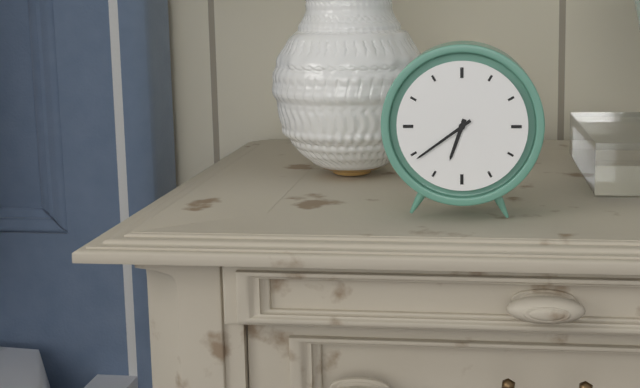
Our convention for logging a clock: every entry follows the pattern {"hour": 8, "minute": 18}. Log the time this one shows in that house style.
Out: {"hour": 6, "minute": 39}
